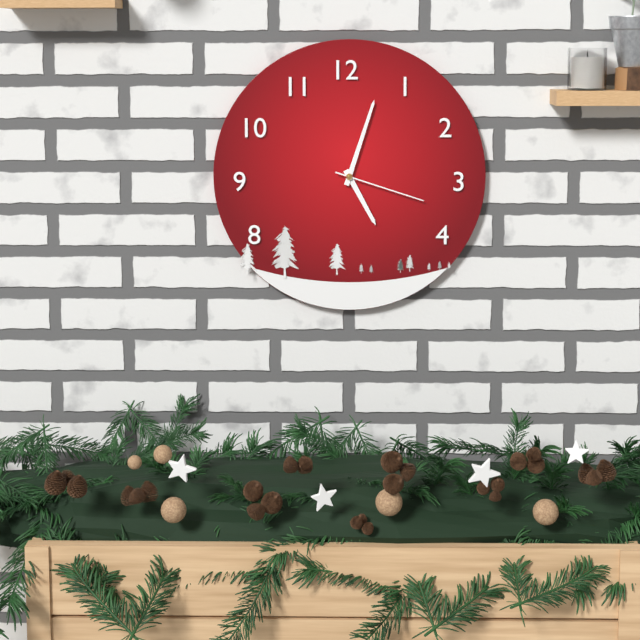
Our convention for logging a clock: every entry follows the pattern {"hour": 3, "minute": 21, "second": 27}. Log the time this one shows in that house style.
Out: {"hour": 5, "minute": 3, "second": 18}
